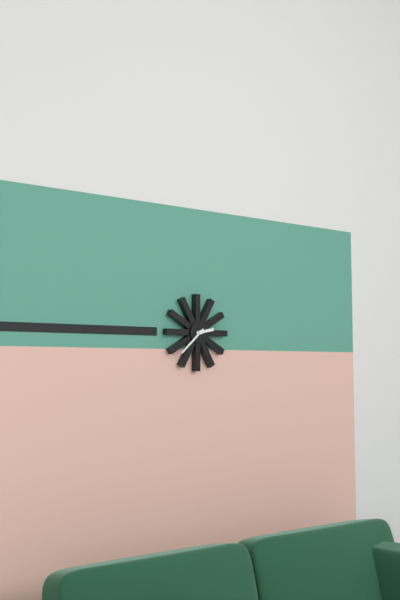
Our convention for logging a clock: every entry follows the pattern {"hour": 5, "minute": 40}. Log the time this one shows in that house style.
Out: {"hour": 2, "minute": 38}
